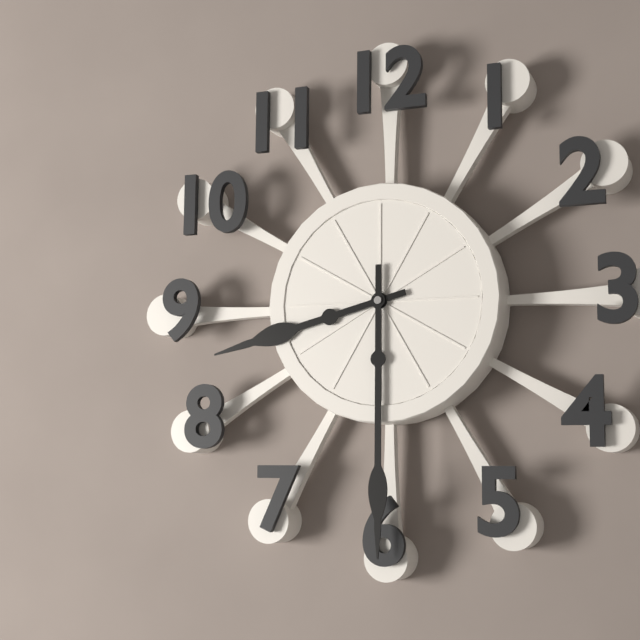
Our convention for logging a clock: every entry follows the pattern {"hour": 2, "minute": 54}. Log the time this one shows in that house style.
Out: {"hour": 8, "minute": 30}
